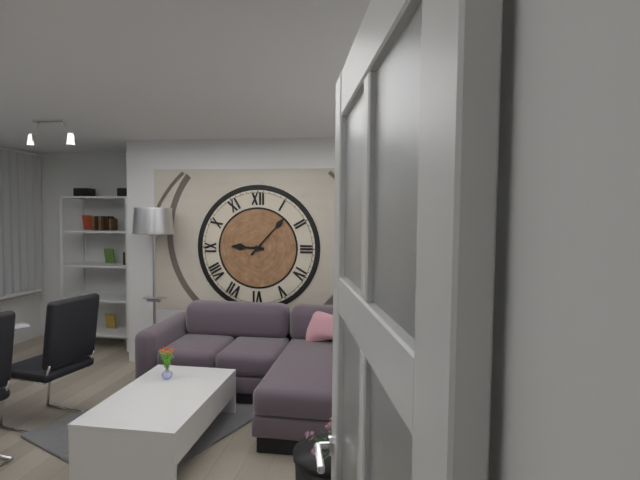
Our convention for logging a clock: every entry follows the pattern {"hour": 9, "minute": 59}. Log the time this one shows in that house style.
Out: {"hour": 9, "minute": 7}
